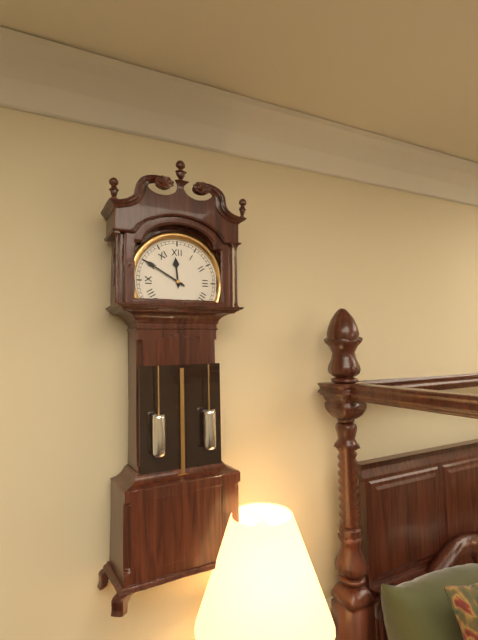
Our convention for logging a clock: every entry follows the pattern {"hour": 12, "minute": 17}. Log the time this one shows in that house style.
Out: {"hour": 11, "minute": 50}
